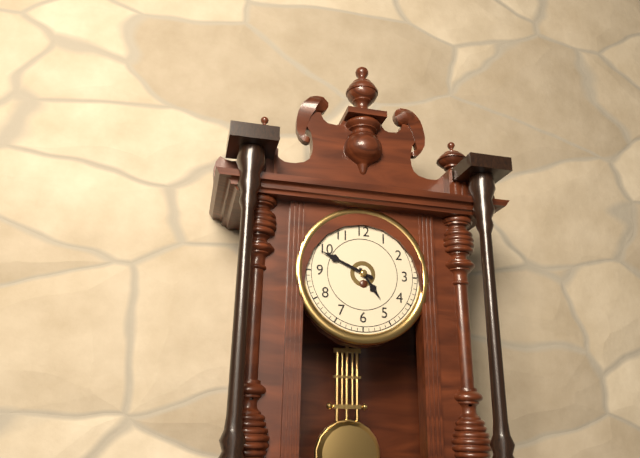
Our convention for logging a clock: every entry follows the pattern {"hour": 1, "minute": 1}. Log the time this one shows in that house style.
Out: {"hour": 4, "minute": 49}
